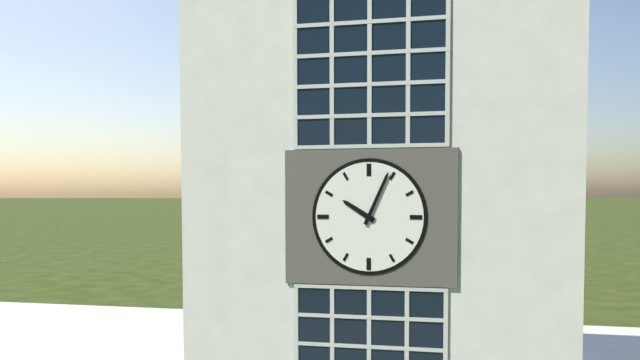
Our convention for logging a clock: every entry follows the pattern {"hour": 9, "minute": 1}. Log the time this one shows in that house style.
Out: {"hour": 10, "minute": 4}
